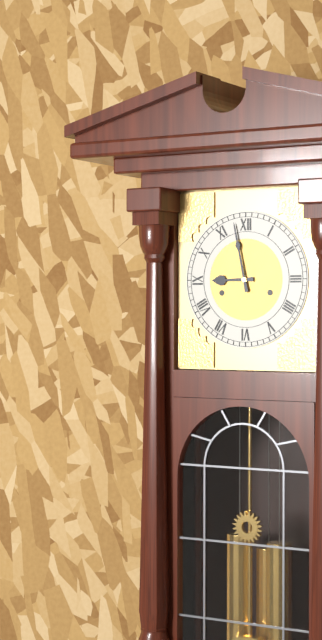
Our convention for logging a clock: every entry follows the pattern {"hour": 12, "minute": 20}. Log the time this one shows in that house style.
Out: {"hour": 8, "minute": 58}
